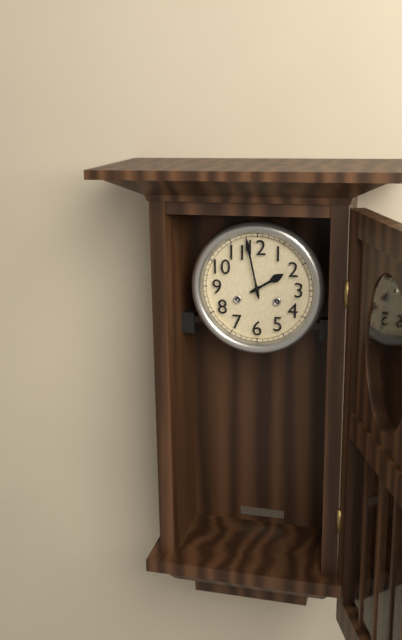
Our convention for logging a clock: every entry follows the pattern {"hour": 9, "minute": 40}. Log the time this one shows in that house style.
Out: {"hour": 1, "minute": 58}
